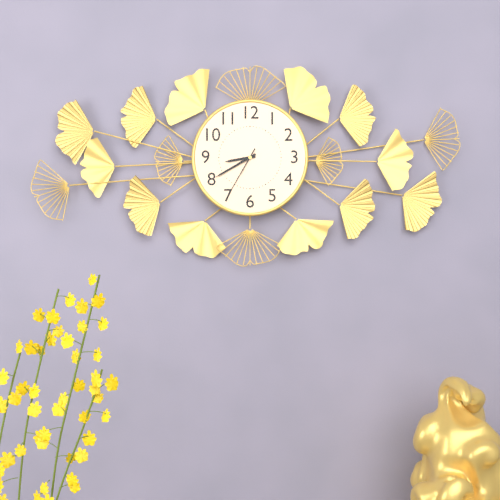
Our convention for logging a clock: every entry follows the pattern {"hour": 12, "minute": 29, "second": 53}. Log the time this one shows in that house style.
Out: {"hour": 8, "minute": 40, "second": 35}
